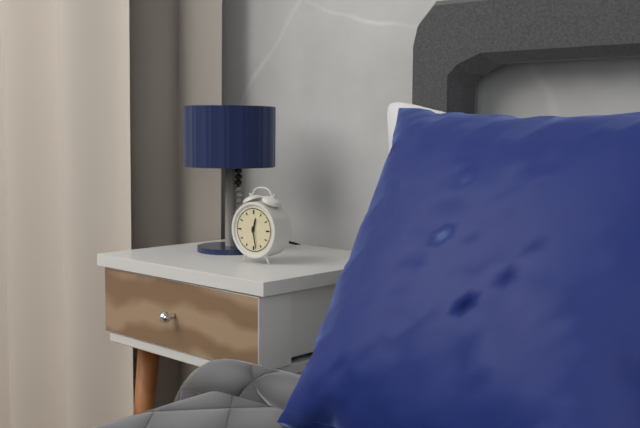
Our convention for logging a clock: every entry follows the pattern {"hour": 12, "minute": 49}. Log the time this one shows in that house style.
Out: {"hour": 12, "minute": 28}
